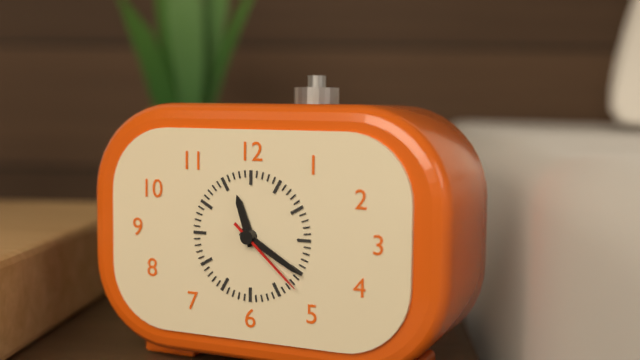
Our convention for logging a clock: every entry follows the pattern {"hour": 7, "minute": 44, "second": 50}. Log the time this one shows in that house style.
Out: {"hour": 11, "minute": 20, "second": 22}
